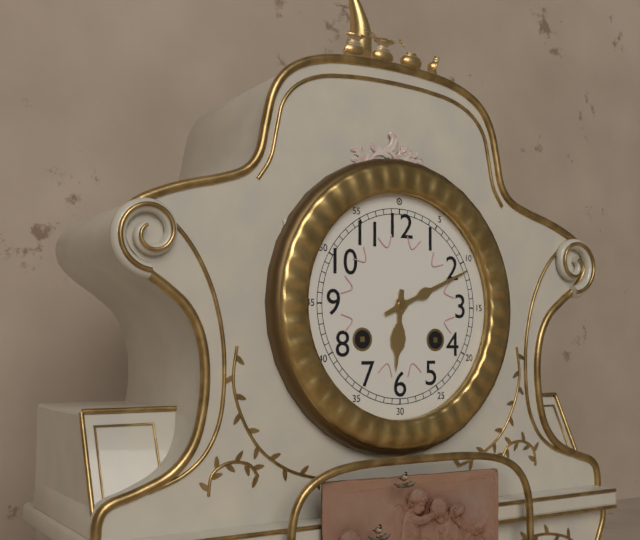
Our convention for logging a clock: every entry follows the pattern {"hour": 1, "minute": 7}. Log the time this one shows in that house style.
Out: {"hour": 6, "minute": 11}
